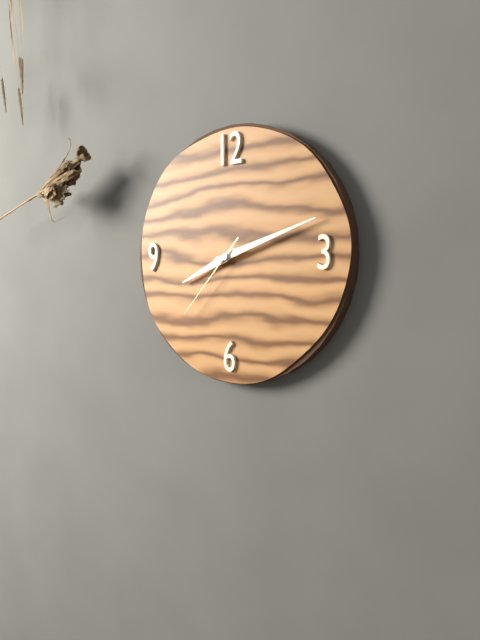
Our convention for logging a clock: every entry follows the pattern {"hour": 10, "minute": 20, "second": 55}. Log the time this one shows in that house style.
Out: {"hour": 8, "minute": 12, "second": 37}
